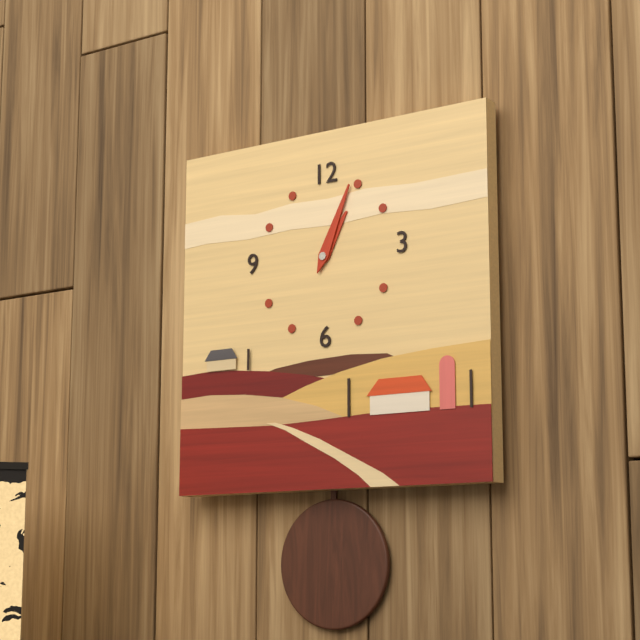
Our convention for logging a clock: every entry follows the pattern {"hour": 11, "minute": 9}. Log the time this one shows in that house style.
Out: {"hour": 1, "minute": 4}
